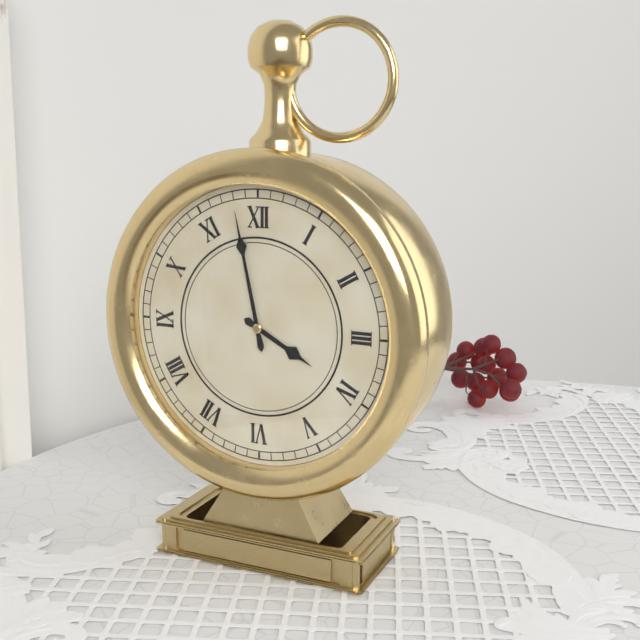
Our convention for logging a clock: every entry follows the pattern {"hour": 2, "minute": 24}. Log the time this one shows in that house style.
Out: {"hour": 3, "minute": 58}
